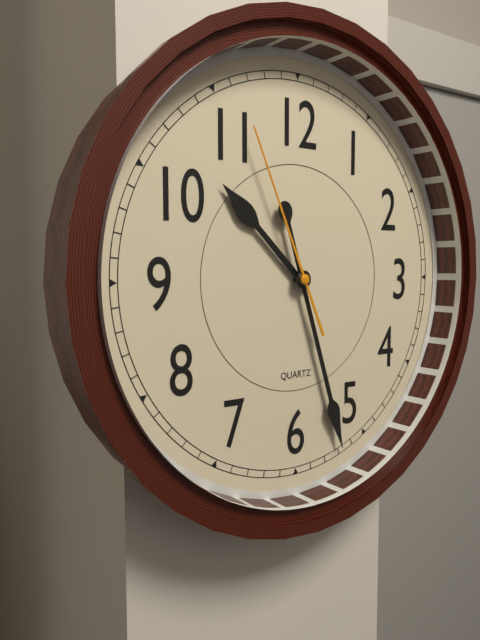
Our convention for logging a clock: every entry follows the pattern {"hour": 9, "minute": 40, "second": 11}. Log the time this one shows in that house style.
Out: {"hour": 10, "minute": 27, "second": 56}
